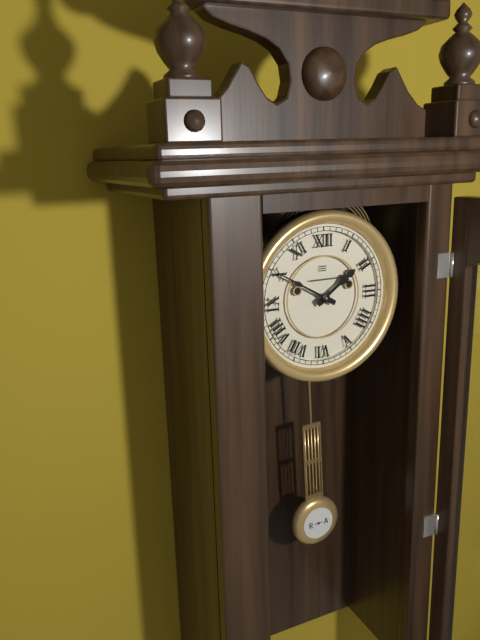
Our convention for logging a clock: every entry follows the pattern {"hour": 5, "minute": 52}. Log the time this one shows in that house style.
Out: {"hour": 1, "minute": 50}
